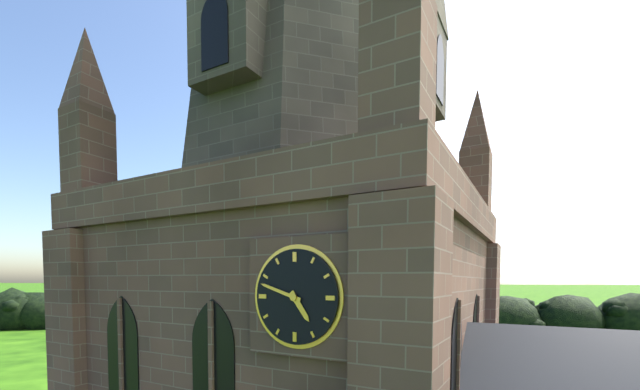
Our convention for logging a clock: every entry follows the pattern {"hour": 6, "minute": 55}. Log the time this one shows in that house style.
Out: {"hour": 4, "minute": 48}
